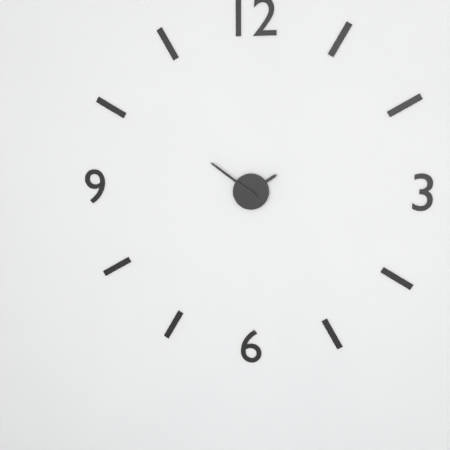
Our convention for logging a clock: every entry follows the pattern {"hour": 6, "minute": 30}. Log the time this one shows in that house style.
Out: {"hour": 1, "minute": 51}
